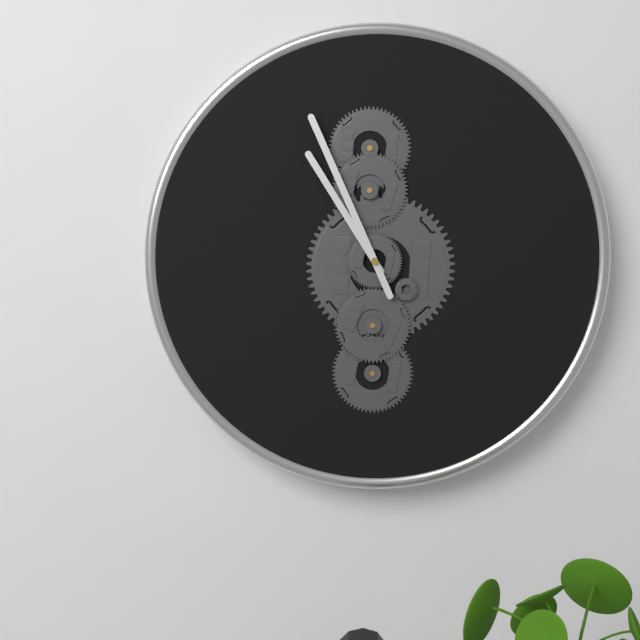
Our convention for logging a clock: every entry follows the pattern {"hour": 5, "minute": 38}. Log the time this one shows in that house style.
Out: {"hour": 10, "minute": 56}
